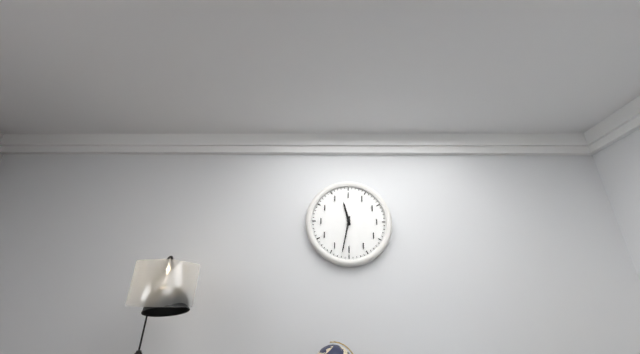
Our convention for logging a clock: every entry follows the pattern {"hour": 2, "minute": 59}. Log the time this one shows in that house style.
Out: {"hour": 11, "minute": 32}
